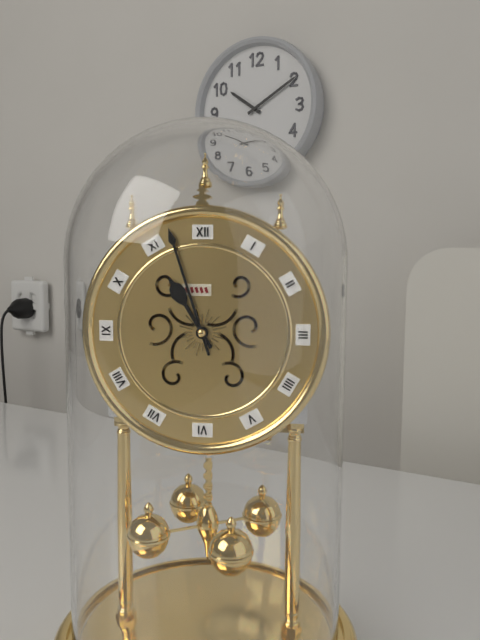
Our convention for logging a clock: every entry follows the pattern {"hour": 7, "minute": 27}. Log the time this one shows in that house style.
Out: {"hour": 10, "minute": 57}
